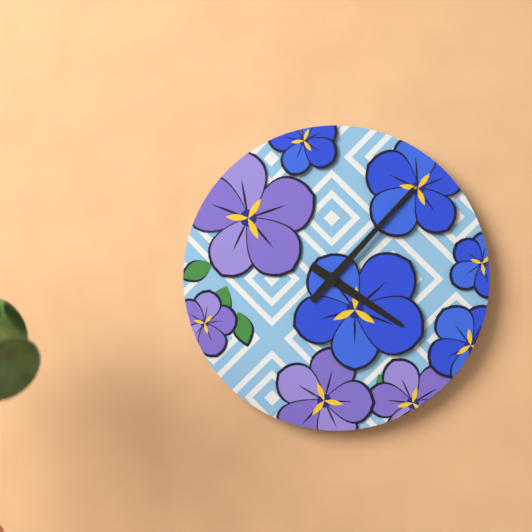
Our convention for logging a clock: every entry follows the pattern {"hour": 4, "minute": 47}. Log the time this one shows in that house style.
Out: {"hour": 4, "minute": 7}
